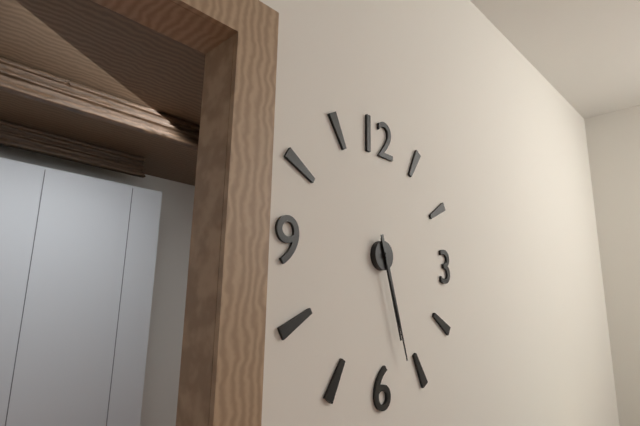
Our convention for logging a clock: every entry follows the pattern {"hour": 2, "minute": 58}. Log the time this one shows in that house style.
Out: {"hour": 5, "minute": 27}
